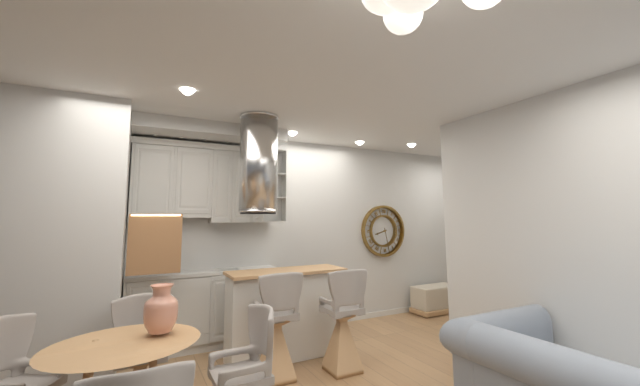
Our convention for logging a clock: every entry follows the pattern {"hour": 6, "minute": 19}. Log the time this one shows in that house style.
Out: {"hour": 8, "minute": 28}
